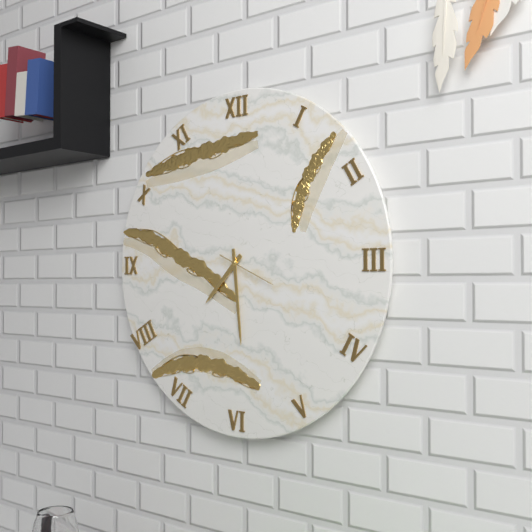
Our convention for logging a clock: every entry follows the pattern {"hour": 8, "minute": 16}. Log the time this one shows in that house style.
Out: {"hour": 7, "minute": 29}
